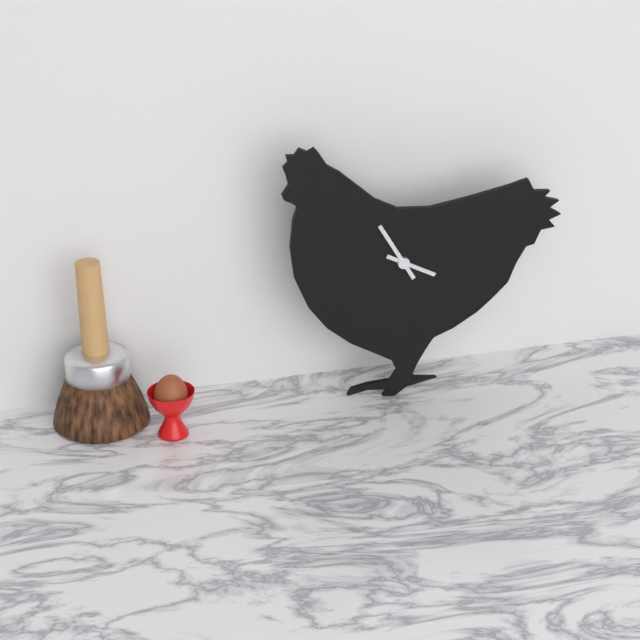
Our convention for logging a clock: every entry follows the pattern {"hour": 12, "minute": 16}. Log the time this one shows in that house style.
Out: {"hour": 3, "minute": 55}
